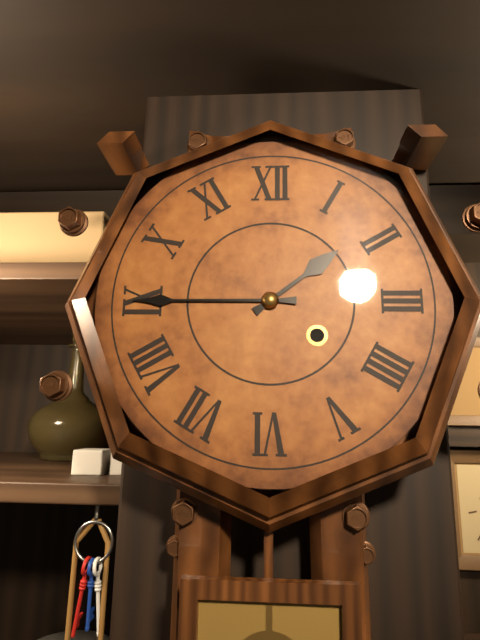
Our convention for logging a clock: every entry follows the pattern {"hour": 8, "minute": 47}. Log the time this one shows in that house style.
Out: {"hour": 1, "minute": 45}
